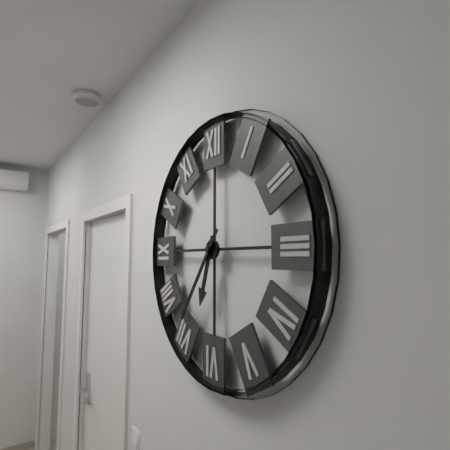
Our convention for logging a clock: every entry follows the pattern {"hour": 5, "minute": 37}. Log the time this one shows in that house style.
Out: {"hour": 6, "minute": 36}
